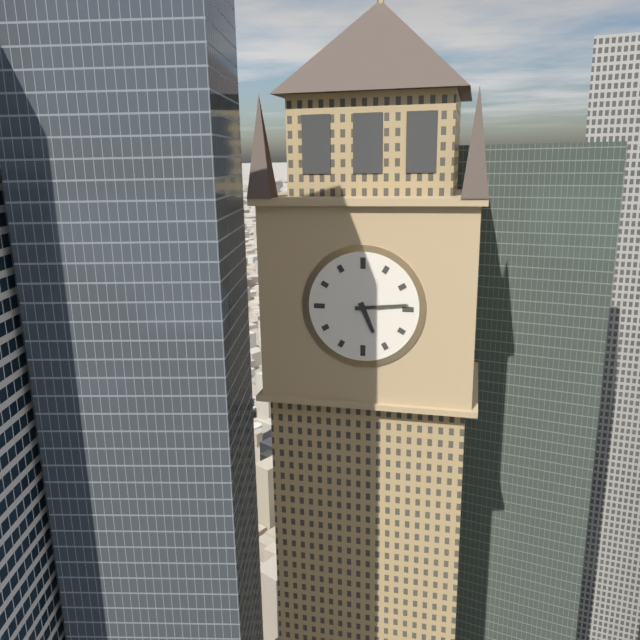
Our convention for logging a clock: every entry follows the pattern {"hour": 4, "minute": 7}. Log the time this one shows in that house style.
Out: {"hour": 5, "minute": 14}
